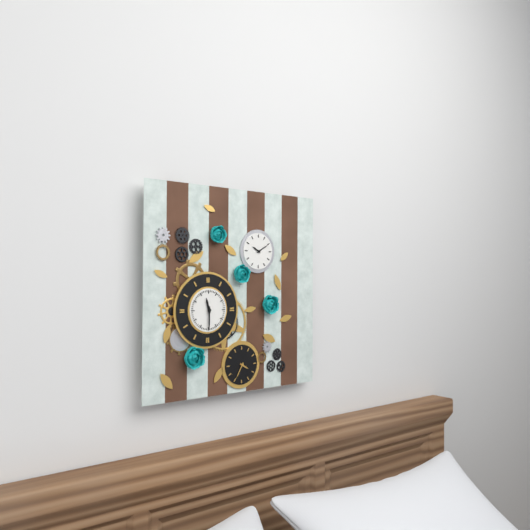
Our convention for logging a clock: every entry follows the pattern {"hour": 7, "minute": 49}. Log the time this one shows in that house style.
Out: {"hour": 11, "minute": 30}
